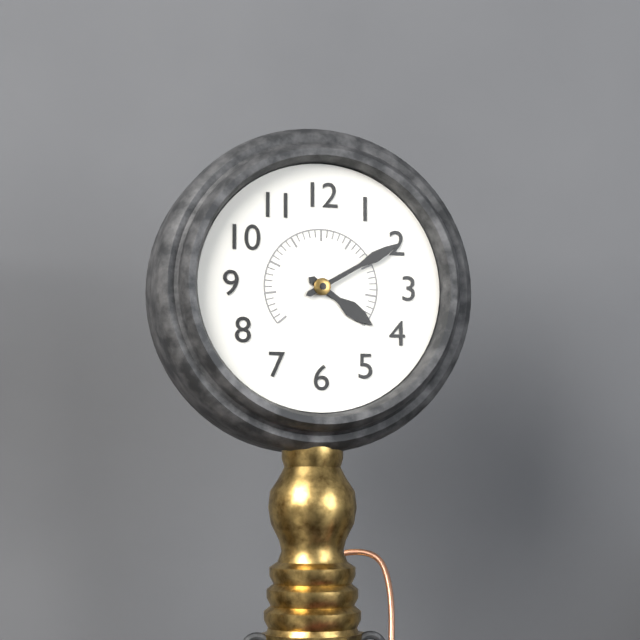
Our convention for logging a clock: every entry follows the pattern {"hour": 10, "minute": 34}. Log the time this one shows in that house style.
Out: {"hour": 4, "minute": 10}
